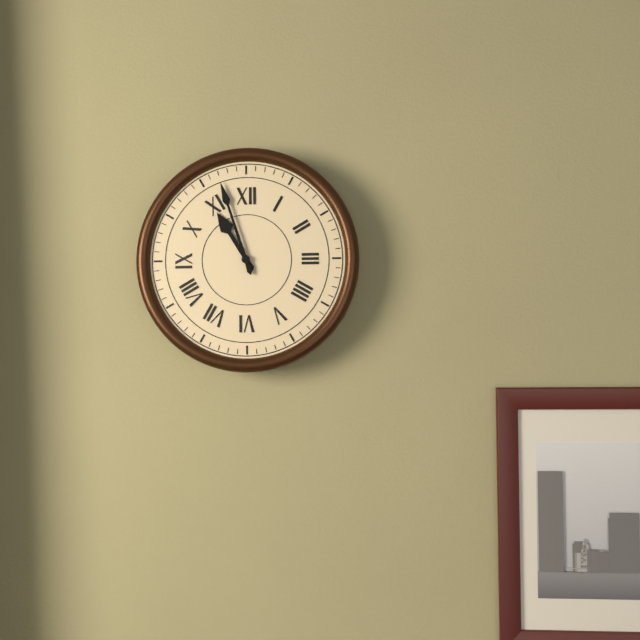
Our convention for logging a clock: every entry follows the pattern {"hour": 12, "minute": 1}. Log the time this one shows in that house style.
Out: {"hour": 10, "minute": 57}
